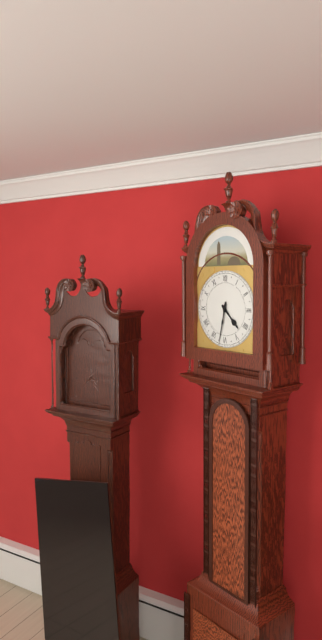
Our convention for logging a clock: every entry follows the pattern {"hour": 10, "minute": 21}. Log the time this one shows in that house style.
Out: {"hour": 4, "minute": 32}
